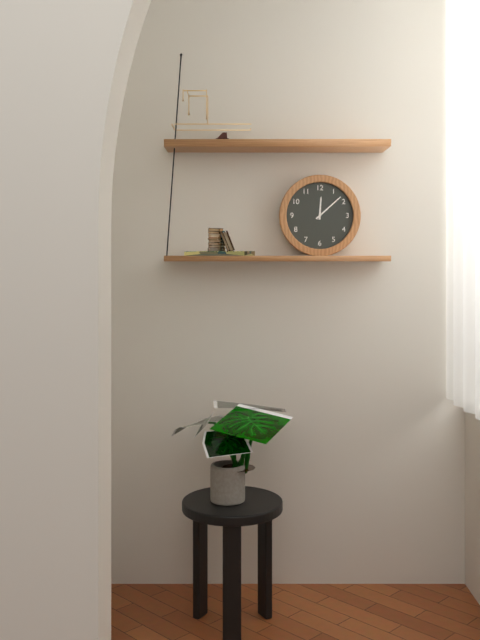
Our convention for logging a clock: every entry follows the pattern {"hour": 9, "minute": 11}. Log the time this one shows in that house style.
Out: {"hour": 12, "minute": 8}
